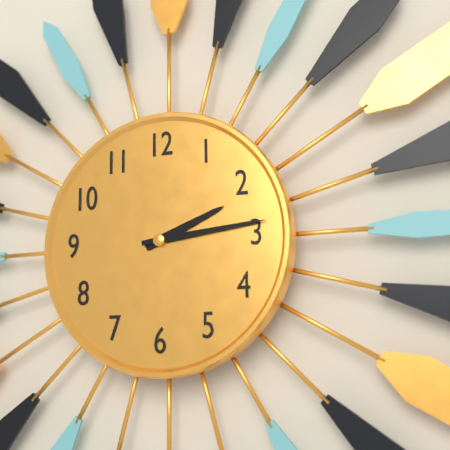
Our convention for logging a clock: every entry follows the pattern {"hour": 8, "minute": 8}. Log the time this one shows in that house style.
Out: {"hour": 2, "minute": 14}
